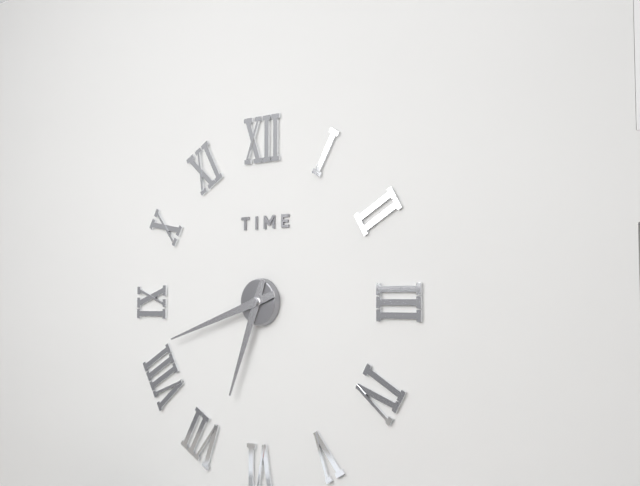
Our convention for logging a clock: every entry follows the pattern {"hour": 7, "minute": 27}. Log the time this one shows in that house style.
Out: {"hour": 6, "minute": 42}
